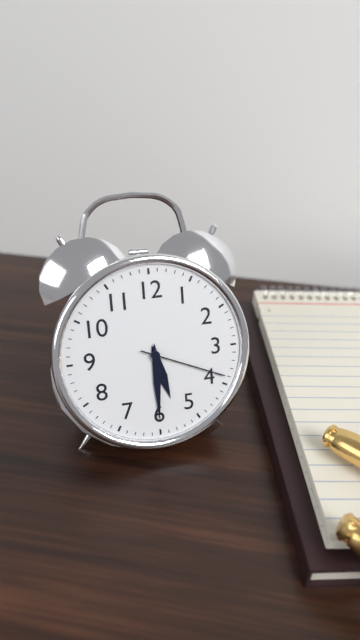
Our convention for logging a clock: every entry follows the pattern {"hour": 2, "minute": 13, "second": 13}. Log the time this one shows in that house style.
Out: {"hour": 5, "minute": 30, "second": 19}
